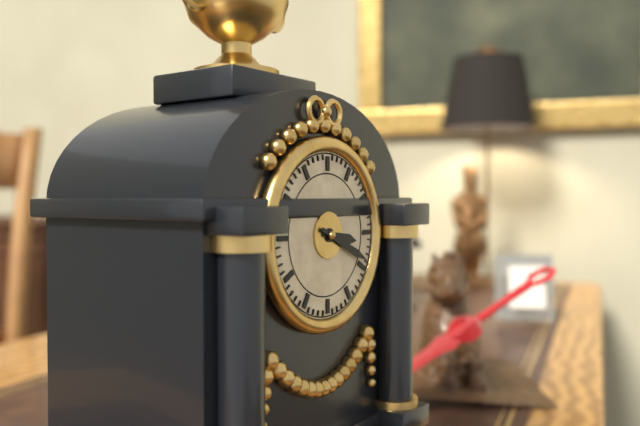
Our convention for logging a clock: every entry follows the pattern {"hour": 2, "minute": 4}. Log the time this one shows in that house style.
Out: {"hour": 3, "minute": 19}
